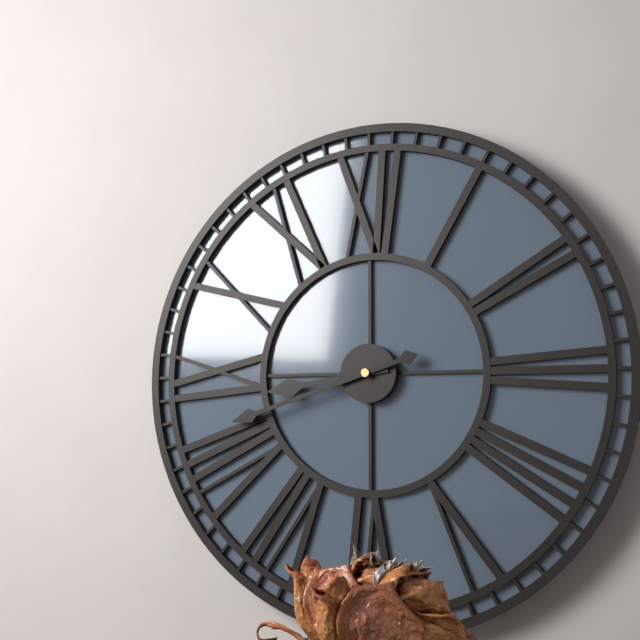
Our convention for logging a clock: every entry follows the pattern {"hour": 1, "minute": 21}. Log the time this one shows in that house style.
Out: {"hour": 8, "minute": 42}
